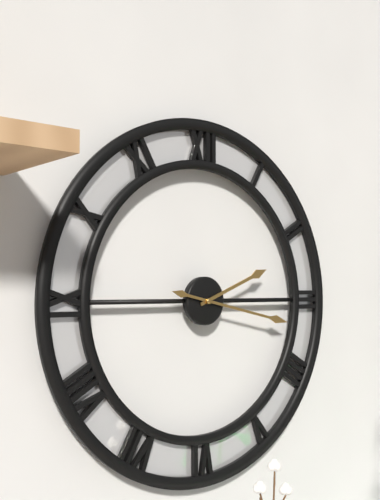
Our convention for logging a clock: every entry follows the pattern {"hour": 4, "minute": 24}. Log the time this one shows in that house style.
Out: {"hour": 2, "minute": 17}
